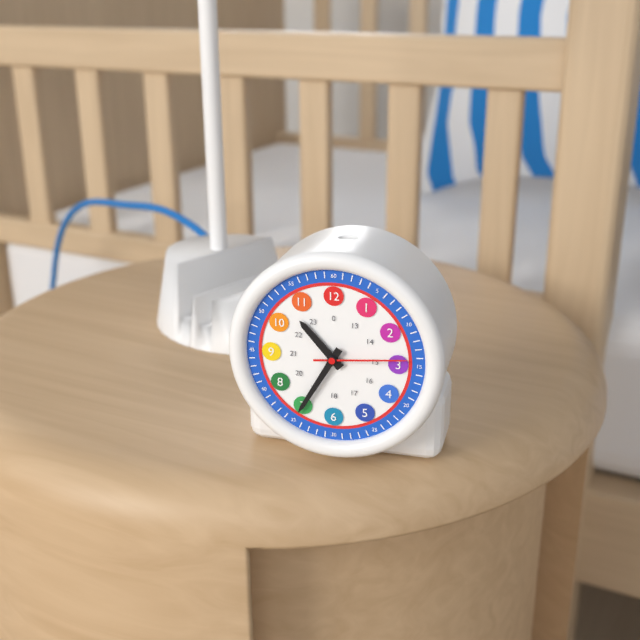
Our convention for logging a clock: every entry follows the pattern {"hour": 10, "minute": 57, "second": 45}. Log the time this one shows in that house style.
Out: {"hour": 10, "minute": 35, "second": 14}
